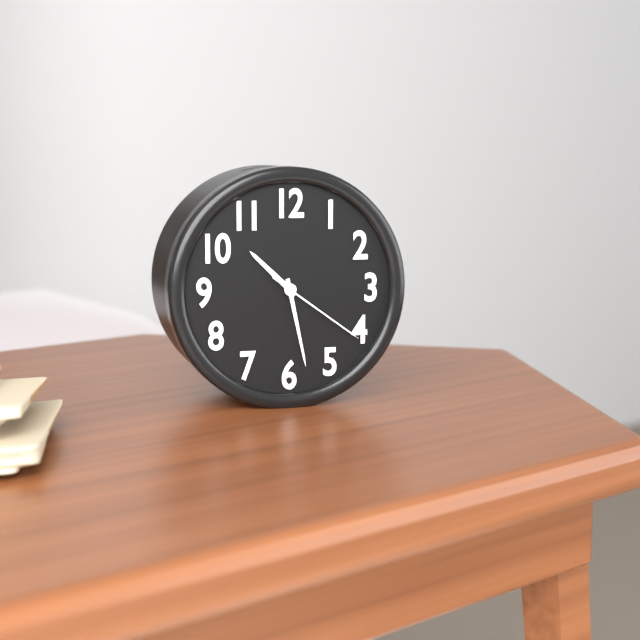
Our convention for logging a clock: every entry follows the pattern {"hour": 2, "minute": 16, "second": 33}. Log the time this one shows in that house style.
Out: {"hour": 10, "minute": 28, "second": 21}
